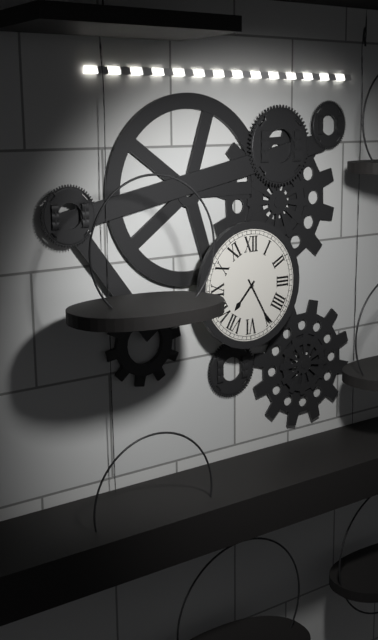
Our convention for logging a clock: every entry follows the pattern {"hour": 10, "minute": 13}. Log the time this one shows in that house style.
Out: {"hour": 7, "minute": 25}
